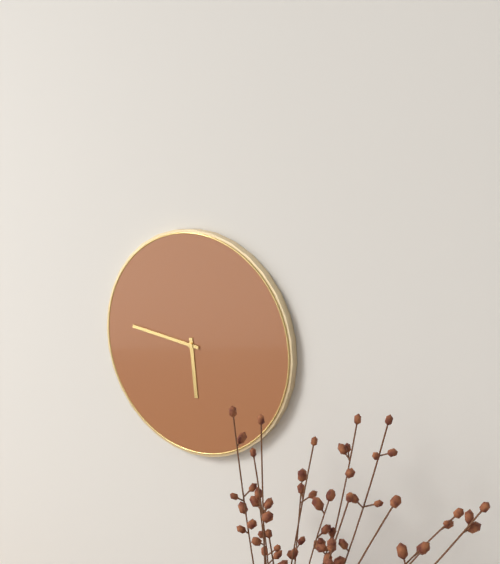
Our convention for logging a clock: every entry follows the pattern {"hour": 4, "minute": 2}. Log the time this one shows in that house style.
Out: {"hour": 5, "minute": 46}
